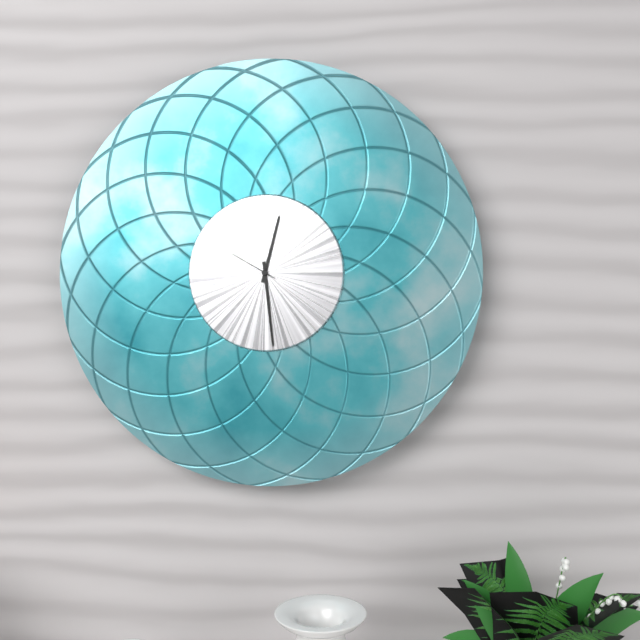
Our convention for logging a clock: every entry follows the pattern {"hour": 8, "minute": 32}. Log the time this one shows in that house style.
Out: {"hour": 12, "minute": 29}
